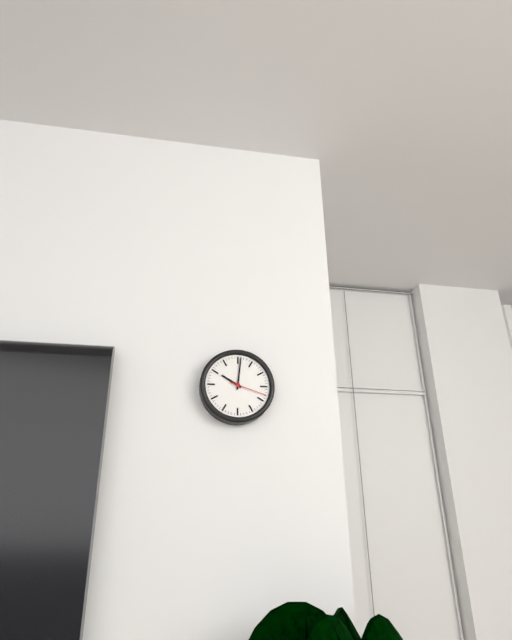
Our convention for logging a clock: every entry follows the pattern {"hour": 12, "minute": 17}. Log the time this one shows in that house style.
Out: {"hour": 10, "minute": 1}
